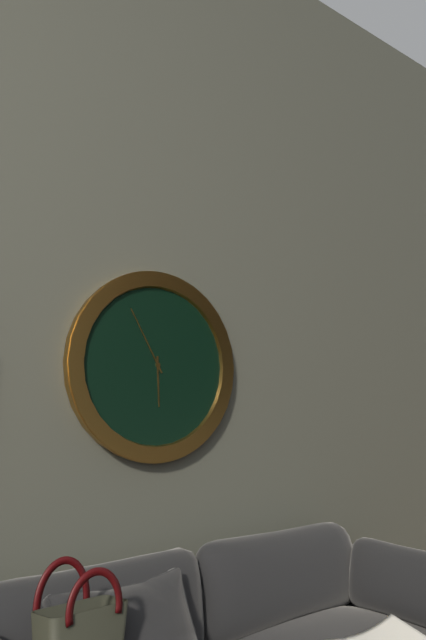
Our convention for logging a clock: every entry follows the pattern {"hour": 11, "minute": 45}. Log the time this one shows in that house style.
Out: {"hour": 5, "minute": 55}
